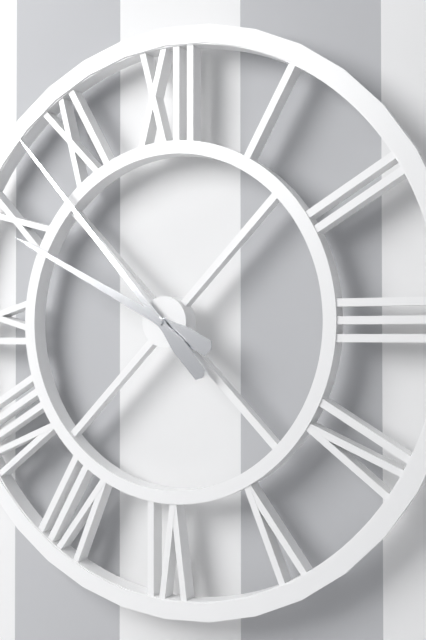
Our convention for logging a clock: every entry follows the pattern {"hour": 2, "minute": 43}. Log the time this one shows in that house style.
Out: {"hour": 9, "minute": 53}
